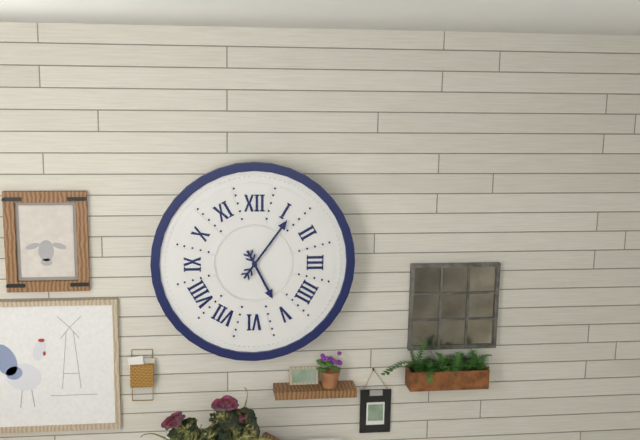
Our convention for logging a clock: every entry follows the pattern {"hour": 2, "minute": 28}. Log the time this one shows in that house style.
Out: {"hour": 5, "minute": 6}
